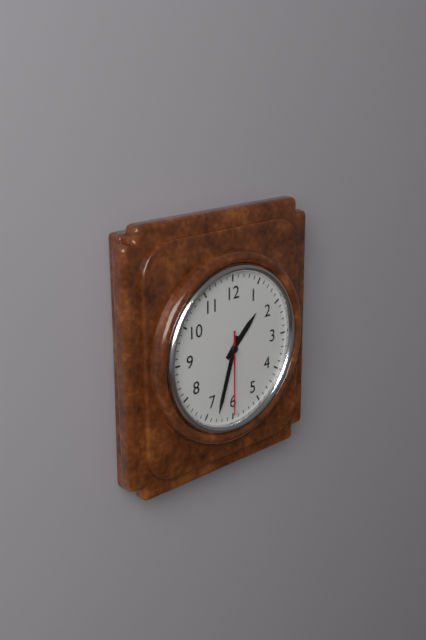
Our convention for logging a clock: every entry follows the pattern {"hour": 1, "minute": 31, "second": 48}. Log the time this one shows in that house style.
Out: {"hour": 1, "minute": 33, "second": 30}
